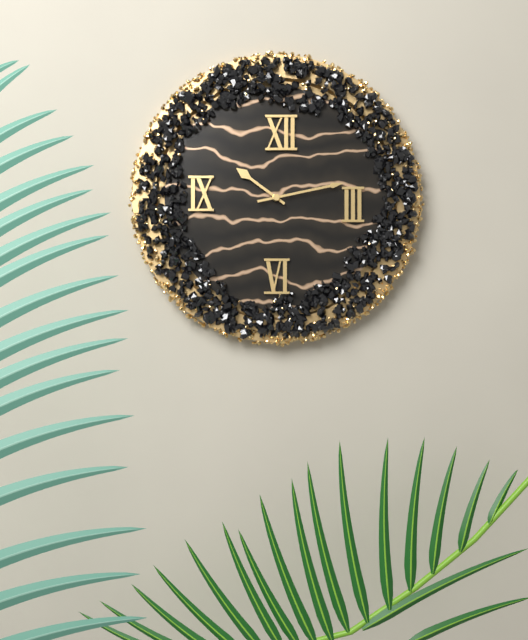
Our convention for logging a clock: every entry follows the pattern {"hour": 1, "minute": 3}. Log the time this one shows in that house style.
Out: {"hour": 10, "minute": 13}
